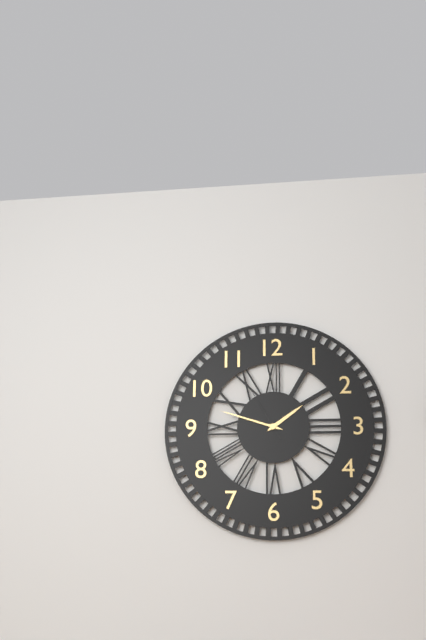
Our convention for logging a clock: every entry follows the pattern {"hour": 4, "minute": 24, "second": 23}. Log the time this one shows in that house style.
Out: {"hour": 1, "minute": 48, "second": 55}
